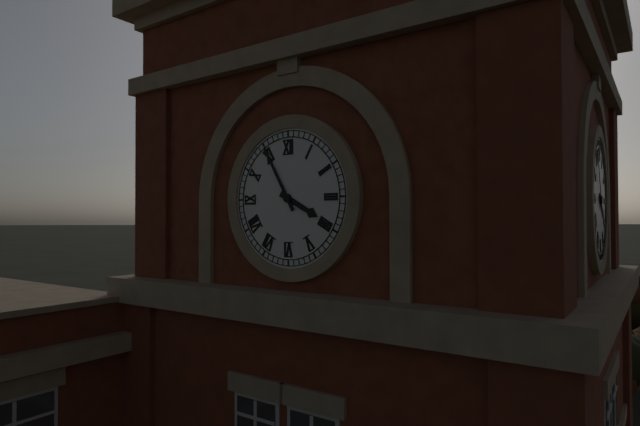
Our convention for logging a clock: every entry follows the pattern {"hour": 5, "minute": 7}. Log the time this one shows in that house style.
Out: {"hour": 3, "minute": 55}
